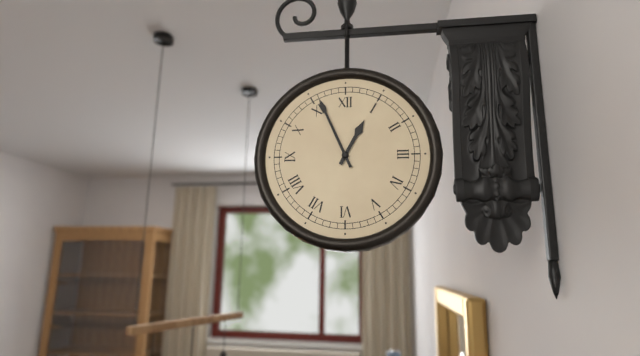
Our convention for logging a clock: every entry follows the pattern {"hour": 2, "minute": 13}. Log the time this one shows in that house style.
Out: {"hour": 12, "minute": 56}
